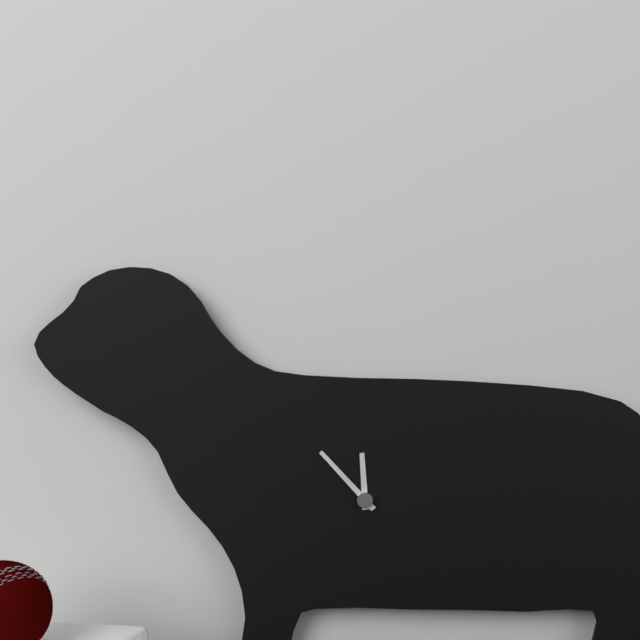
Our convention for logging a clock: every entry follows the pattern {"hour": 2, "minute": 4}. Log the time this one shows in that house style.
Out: {"hour": 11, "minute": 53}
